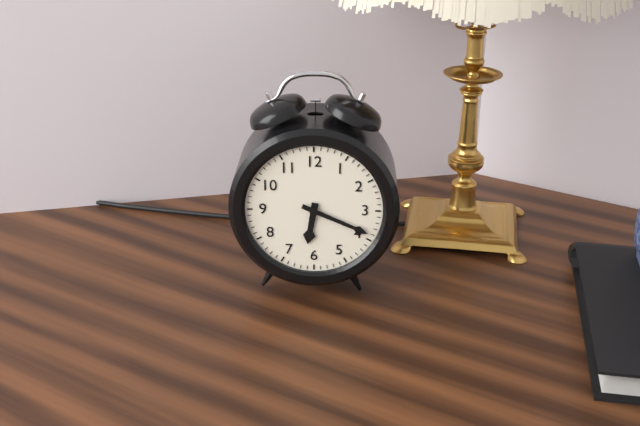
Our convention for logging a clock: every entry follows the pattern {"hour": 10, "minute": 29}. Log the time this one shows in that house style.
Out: {"hour": 6, "minute": 19}
